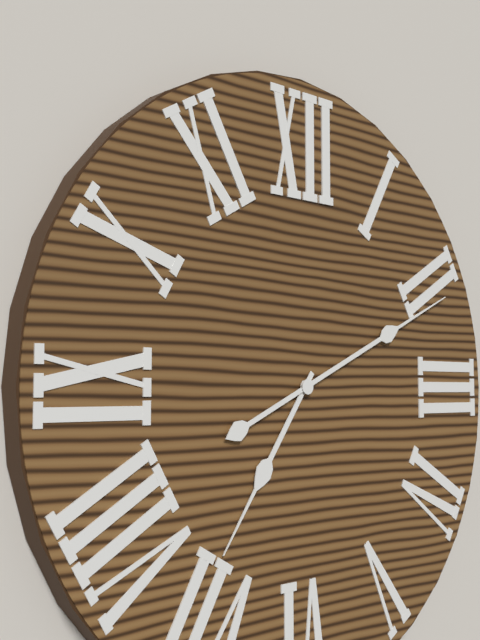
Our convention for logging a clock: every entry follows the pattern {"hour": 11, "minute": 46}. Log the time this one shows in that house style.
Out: {"hour": 7, "minute": 11}
